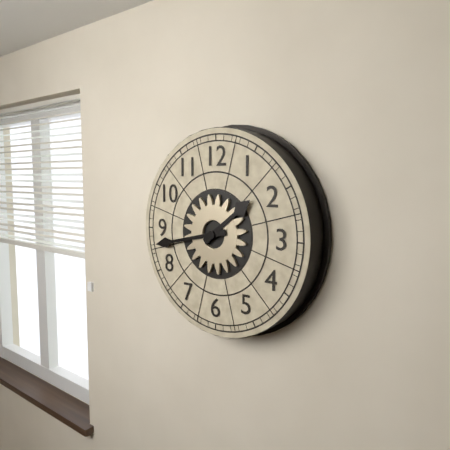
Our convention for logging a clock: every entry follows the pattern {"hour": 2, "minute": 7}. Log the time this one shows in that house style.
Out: {"hour": 1, "minute": 43}
